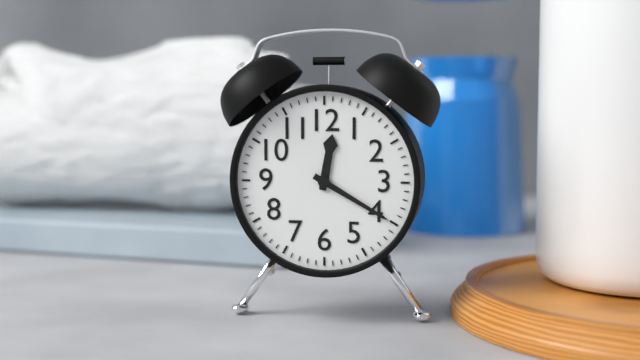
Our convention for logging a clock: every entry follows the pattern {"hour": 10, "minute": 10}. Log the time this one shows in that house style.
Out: {"hour": 12, "minute": 20}
